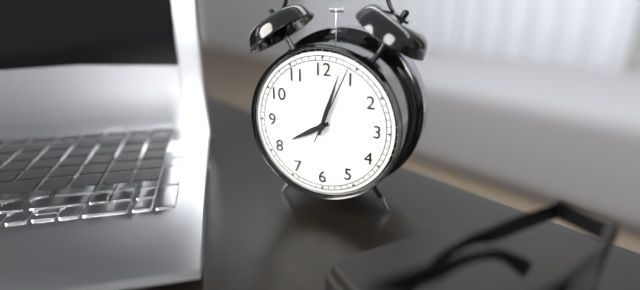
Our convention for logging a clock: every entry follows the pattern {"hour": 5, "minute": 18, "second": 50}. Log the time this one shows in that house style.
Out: {"hour": 8, "minute": 3, "second": 4}
